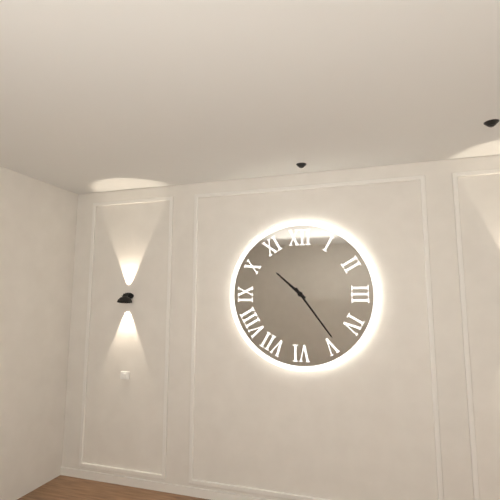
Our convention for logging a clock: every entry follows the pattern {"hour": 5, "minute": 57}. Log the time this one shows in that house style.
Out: {"hour": 10, "minute": 24}
